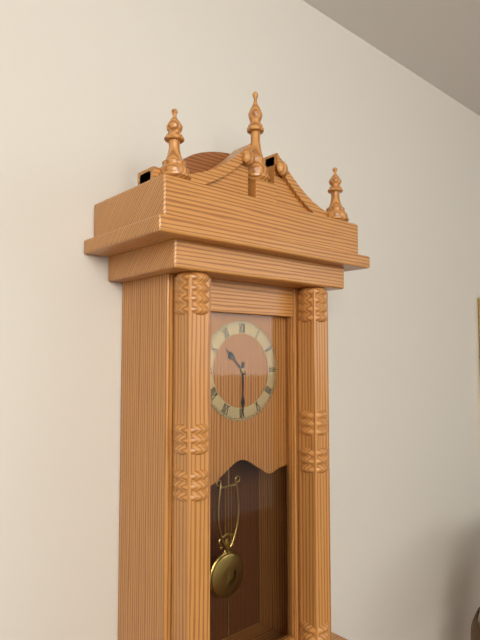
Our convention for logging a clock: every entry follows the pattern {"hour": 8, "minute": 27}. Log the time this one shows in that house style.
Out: {"hour": 10, "minute": 30}
